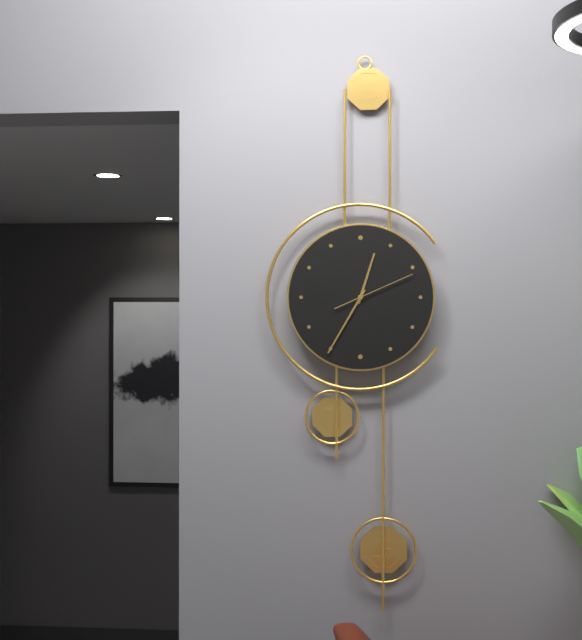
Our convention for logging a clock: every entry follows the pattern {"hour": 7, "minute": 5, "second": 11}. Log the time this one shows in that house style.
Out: {"hour": 12, "minute": 35, "second": 11}
